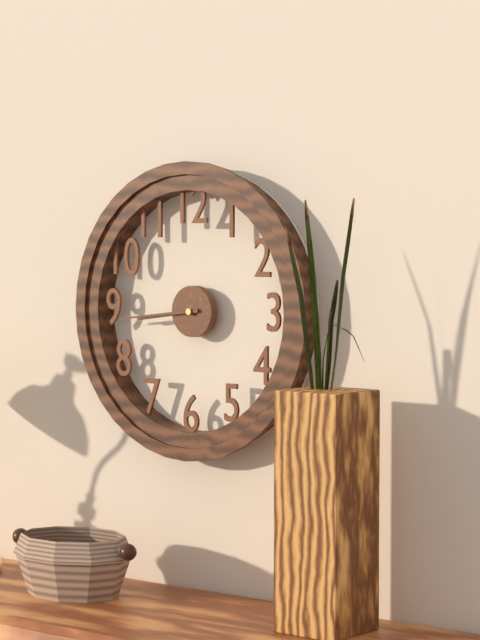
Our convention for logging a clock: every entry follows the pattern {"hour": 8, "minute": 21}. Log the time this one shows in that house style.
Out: {"hour": 8, "minute": 44}
